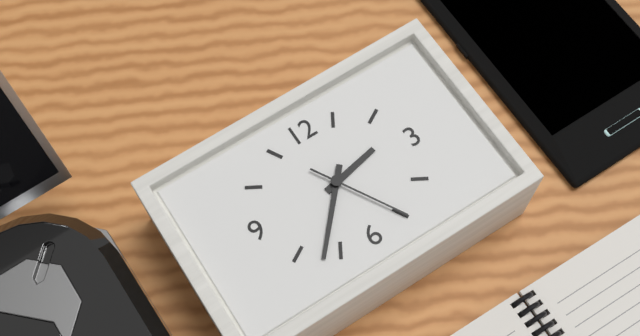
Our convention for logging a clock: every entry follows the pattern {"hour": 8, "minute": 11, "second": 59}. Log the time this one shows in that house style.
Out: {"hour": 2, "minute": 37, "second": 25}
